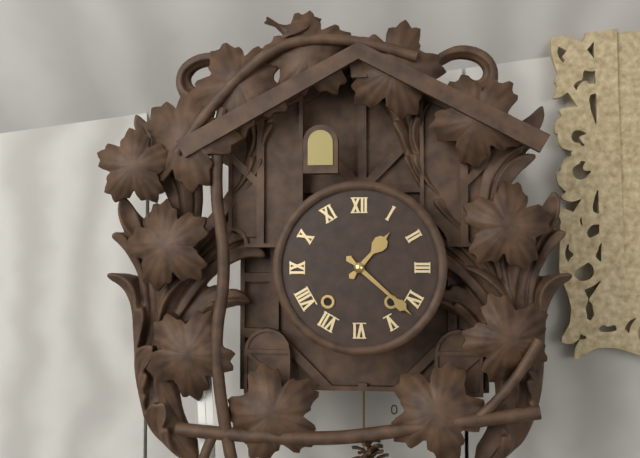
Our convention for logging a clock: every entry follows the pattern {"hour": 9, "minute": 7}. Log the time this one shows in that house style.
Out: {"hour": 1, "minute": 22}
